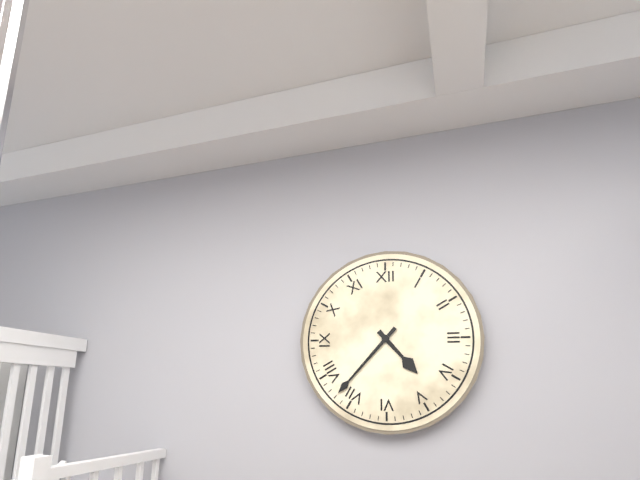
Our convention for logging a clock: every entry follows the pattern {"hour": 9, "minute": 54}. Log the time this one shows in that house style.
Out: {"hour": 4, "minute": 37}
